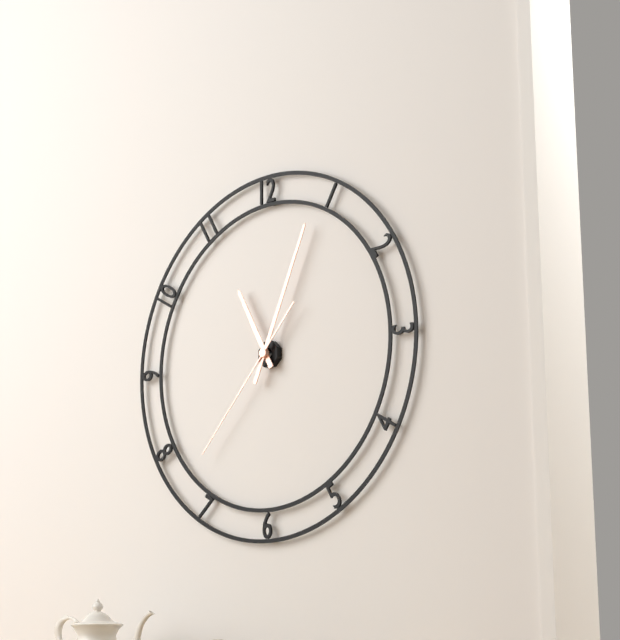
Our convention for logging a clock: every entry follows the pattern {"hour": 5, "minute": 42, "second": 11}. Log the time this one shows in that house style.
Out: {"hour": 11, "minute": 4, "second": 37}
